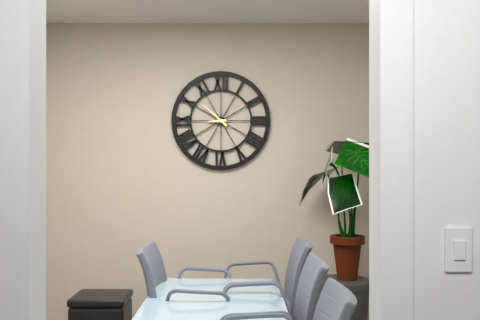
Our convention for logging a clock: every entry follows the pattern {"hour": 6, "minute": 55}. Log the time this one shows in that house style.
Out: {"hour": 8, "minute": 52}
